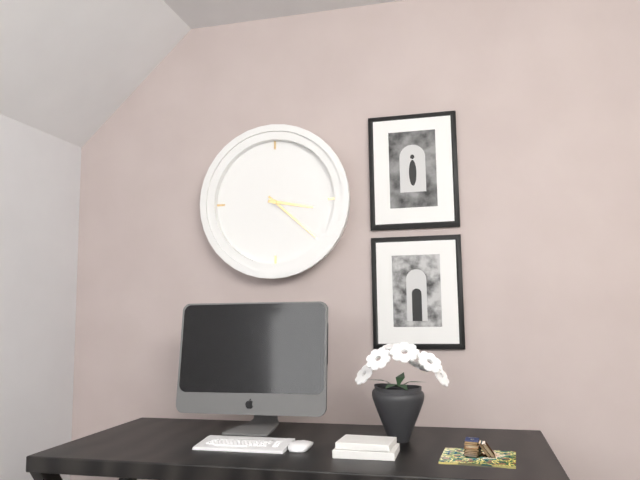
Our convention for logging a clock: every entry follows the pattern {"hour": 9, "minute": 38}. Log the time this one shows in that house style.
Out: {"hour": 3, "minute": 22}
